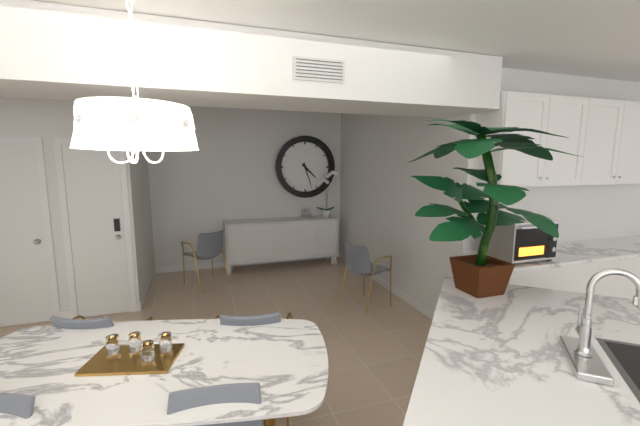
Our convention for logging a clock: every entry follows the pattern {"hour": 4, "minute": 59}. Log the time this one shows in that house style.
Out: {"hour": 4, "minute": 27}
